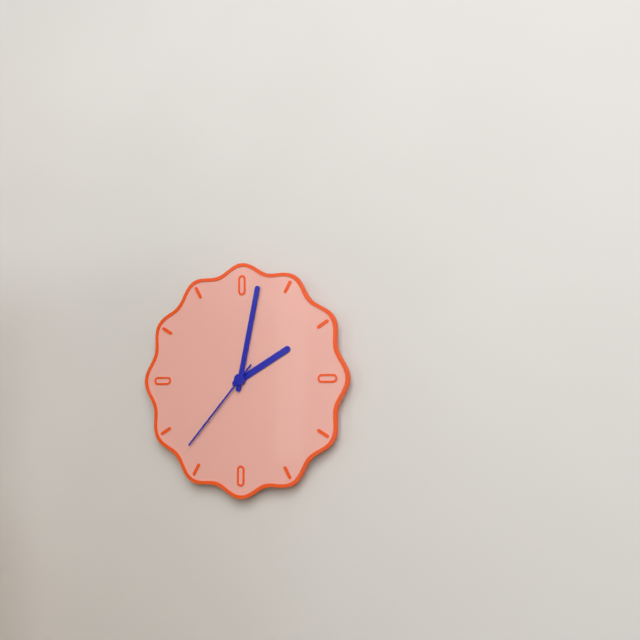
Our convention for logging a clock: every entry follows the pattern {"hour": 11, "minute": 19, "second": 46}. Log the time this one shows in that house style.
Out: {"hour": 2, "minute": 2, "second": 37}
